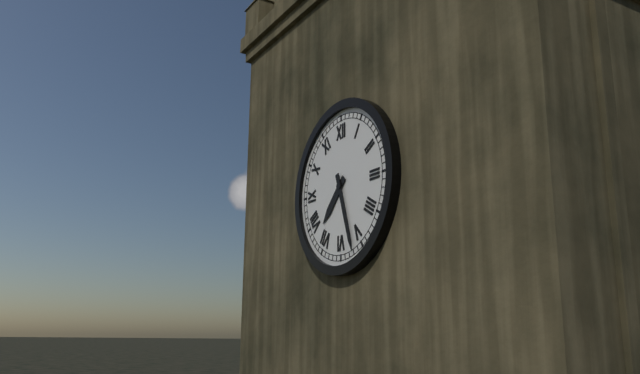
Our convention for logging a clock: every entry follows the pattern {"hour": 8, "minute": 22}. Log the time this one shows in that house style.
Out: {"hour": 7, "minute": 27}
